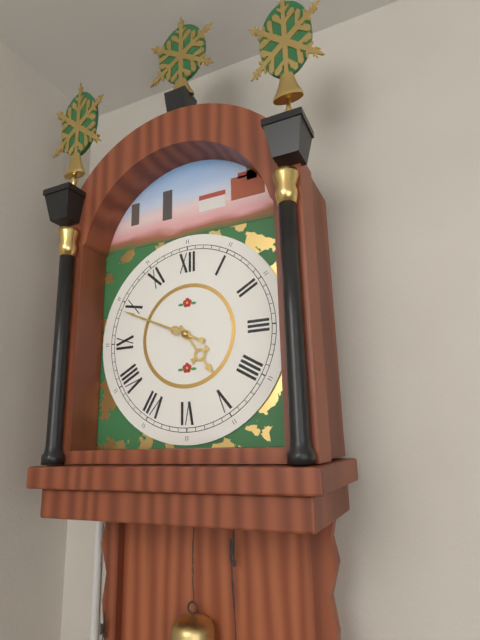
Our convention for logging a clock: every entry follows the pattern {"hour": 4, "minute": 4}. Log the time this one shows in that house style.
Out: {"hour": 4, "minute": 49}
